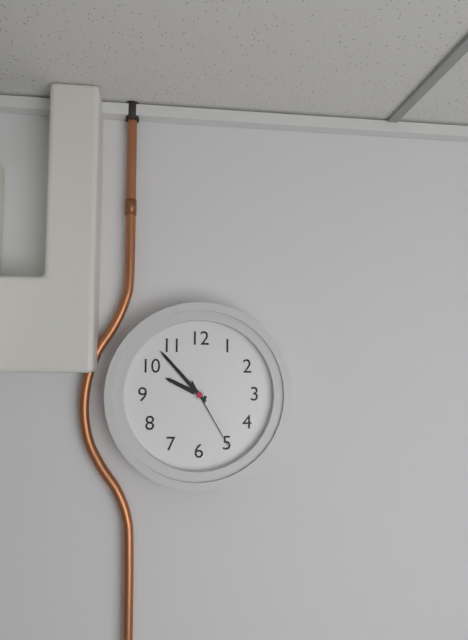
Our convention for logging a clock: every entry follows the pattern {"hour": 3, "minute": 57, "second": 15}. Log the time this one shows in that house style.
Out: {"hour": 9, "minute": 53, "second": 25}
